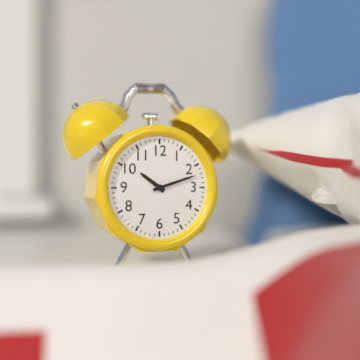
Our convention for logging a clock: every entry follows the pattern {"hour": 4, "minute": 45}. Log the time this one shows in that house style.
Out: {"hour": 10, "minute": 12}
